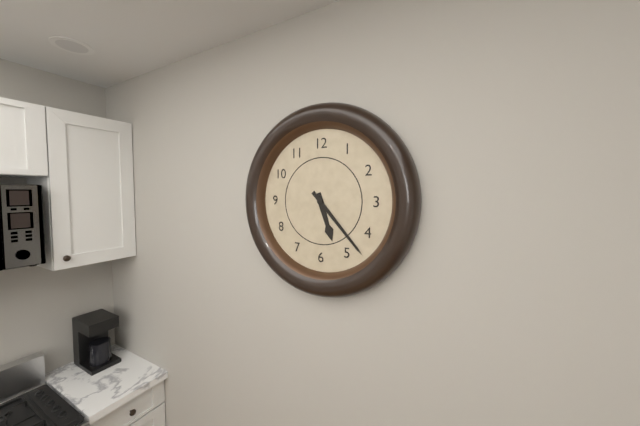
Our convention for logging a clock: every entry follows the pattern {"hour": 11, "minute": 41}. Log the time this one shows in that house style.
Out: {"hour": 5, "minute": 23}
